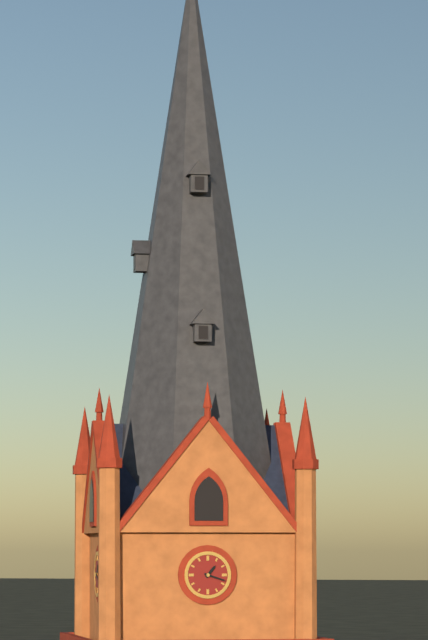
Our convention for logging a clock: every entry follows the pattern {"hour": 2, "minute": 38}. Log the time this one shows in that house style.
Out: {"hour": 1, "minute": 18}
